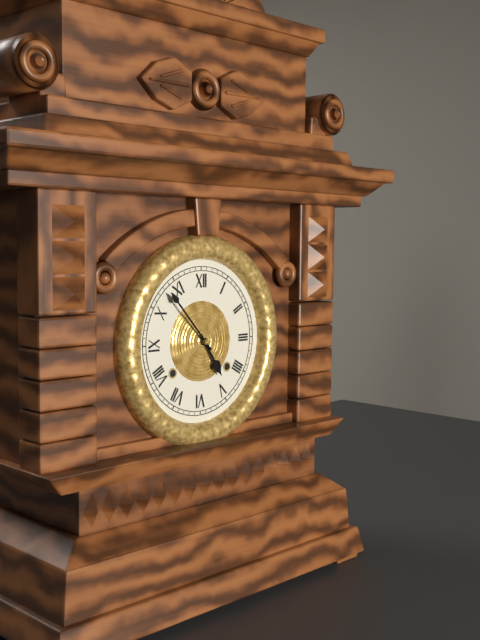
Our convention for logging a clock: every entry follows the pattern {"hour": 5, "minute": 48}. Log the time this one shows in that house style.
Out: {"hour": 4, "minute": 53}
